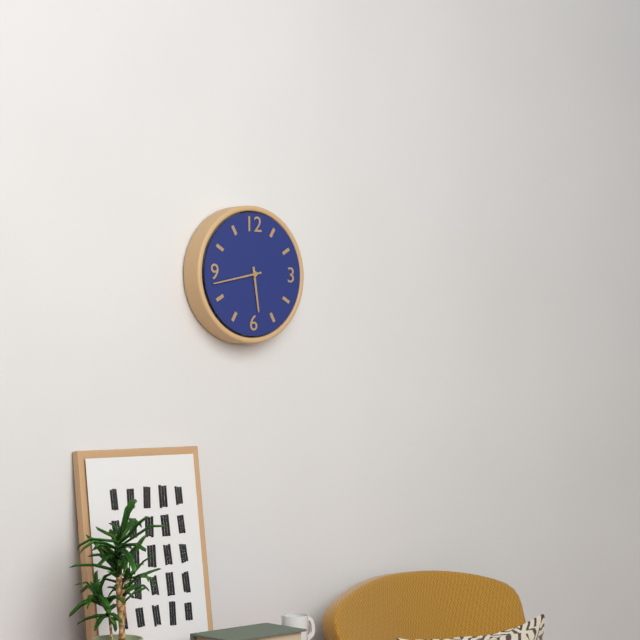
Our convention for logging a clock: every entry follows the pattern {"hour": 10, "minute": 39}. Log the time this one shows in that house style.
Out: {"hour": 5, "minute": 43}
